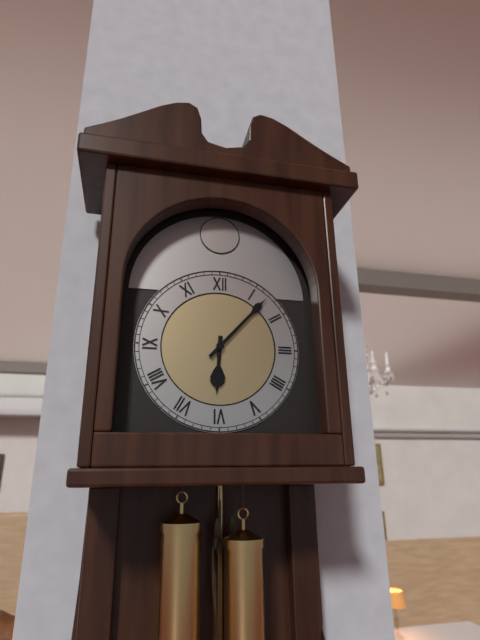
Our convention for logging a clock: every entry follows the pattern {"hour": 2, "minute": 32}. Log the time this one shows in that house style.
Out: {"hour": 6, "minute": 7}
